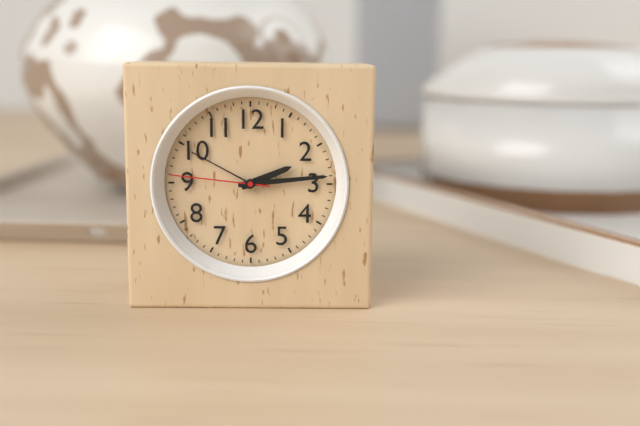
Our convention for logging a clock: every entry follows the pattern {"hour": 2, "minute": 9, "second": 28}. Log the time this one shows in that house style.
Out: {"hour": 2, "minute": 14, "second": 46}
